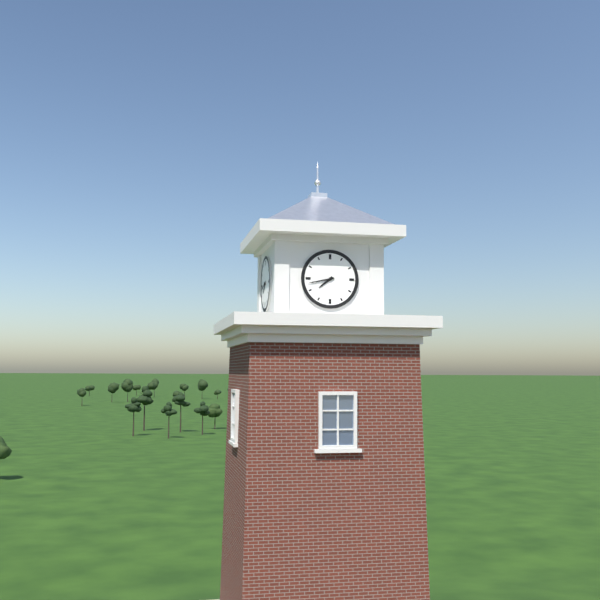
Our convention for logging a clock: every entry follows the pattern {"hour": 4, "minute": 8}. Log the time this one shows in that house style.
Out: {"hour": 7, "minute": 43}
